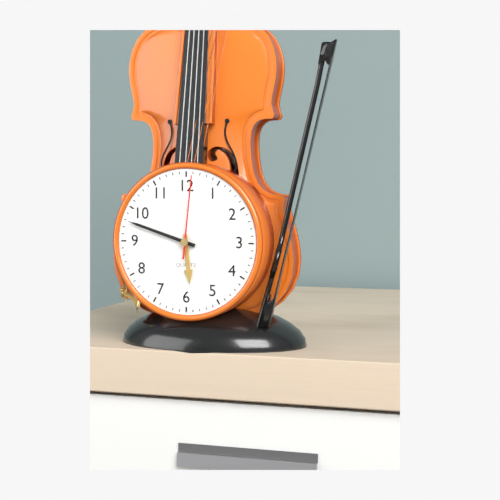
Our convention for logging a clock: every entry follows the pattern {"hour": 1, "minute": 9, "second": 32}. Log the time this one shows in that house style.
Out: {"hour": 5, "minute": 48, "second": 1}
